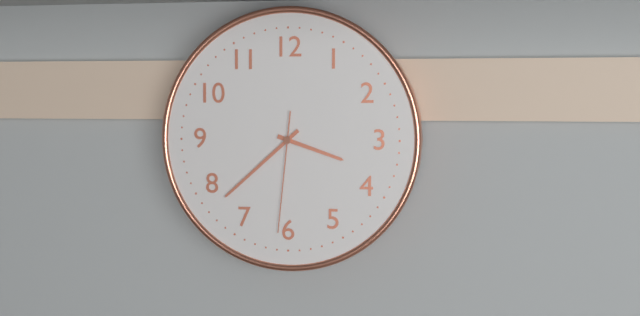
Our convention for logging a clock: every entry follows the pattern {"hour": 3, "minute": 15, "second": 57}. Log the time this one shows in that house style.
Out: {"hour": 3, "minute": 38, "second": 31}
